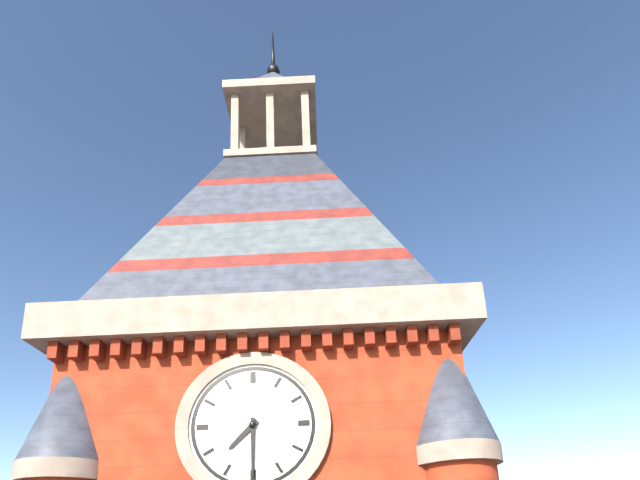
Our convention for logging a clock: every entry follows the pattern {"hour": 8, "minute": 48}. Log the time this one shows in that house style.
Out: {"hour": 7, "minute": 30}
